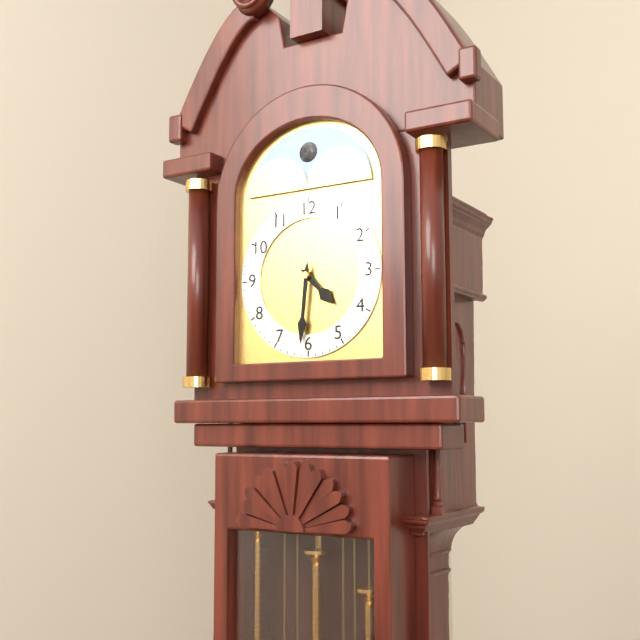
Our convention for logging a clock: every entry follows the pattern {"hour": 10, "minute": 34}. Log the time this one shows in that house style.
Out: {"hour": 4, "minute": 31}
